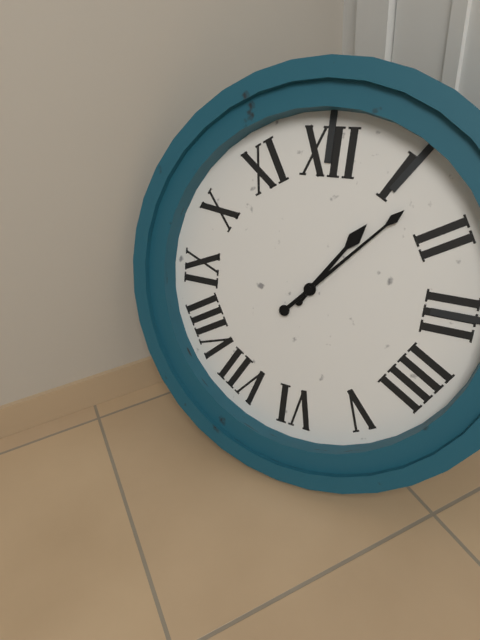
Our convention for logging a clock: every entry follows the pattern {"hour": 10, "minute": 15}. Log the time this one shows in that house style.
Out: {"hour": 1, "minute": 7}
